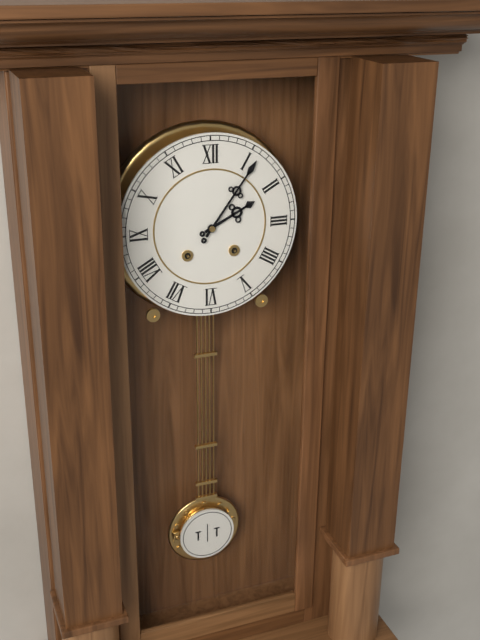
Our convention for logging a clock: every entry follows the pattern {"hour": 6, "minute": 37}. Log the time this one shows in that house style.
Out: {"hour": 2, "minute": 6}
